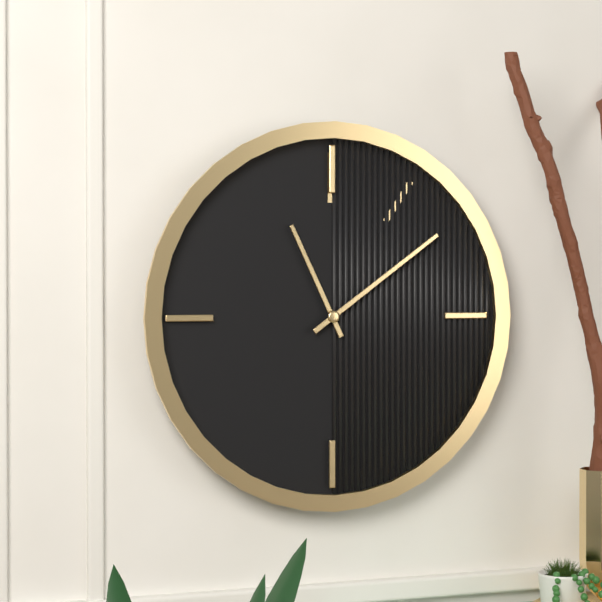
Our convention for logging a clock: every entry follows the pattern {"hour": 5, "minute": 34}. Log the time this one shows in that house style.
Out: {"hour": 11, "minute": 9}
